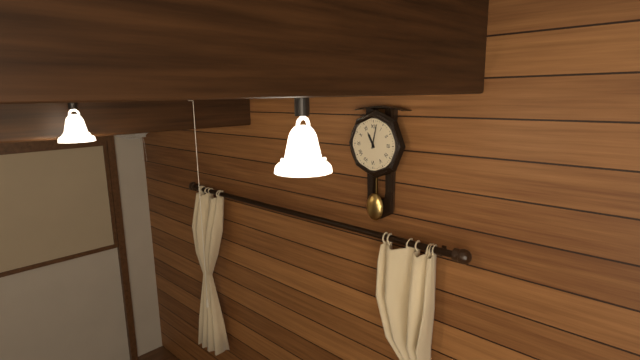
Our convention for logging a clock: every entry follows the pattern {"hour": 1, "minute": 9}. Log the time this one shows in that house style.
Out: {"hour": 11, "minute": 2}
